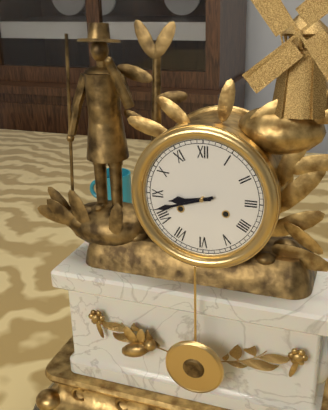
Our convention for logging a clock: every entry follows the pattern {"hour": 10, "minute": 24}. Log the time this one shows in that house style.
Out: {"hour": 8, "minute": 42}
